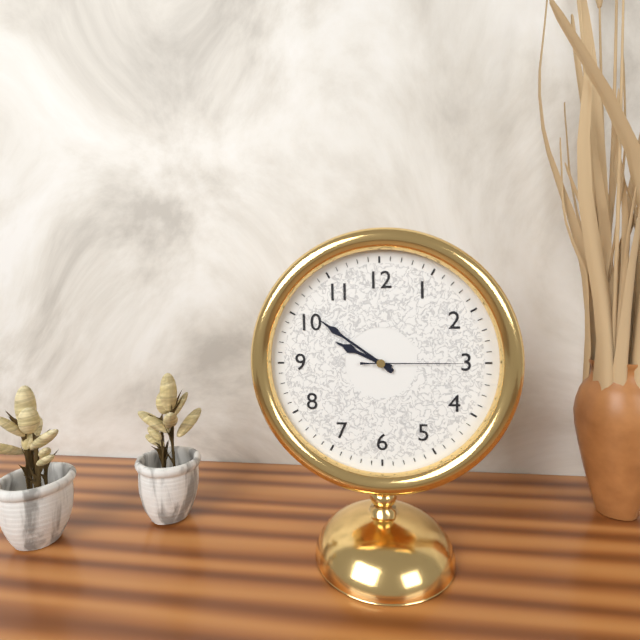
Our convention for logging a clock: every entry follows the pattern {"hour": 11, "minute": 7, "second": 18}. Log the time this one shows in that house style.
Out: {"hour": 9, "minute": 51, "second": 15}
